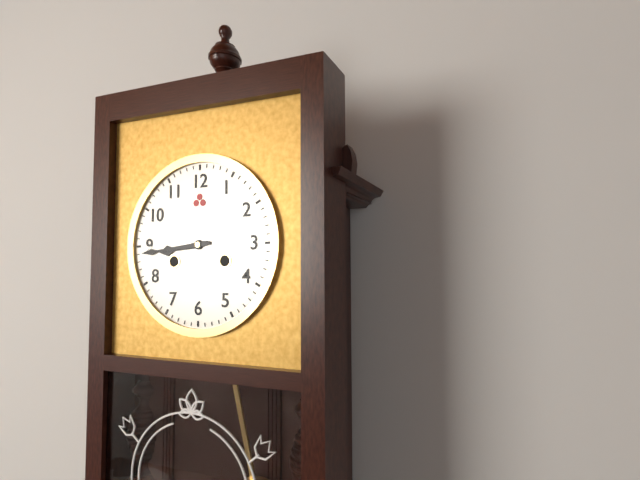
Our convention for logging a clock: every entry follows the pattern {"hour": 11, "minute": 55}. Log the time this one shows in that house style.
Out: {"hour": 8, "minute": 44}
